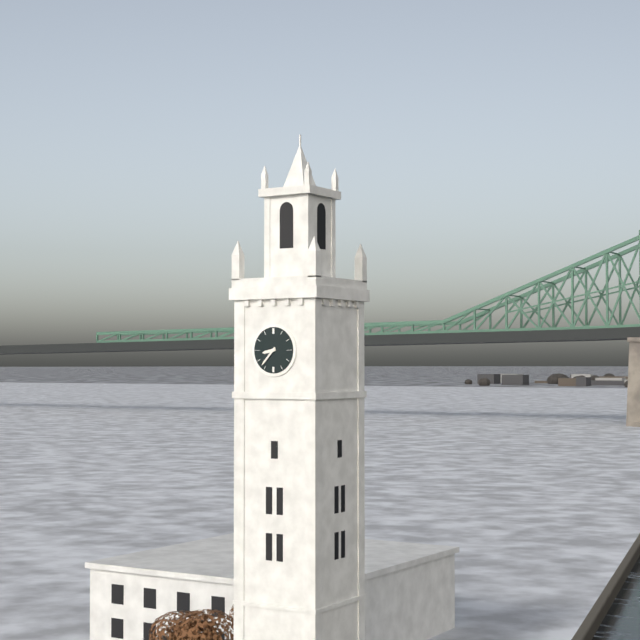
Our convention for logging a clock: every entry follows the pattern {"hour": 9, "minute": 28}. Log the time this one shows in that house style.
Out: {"hour": 8, "minute": 37}
